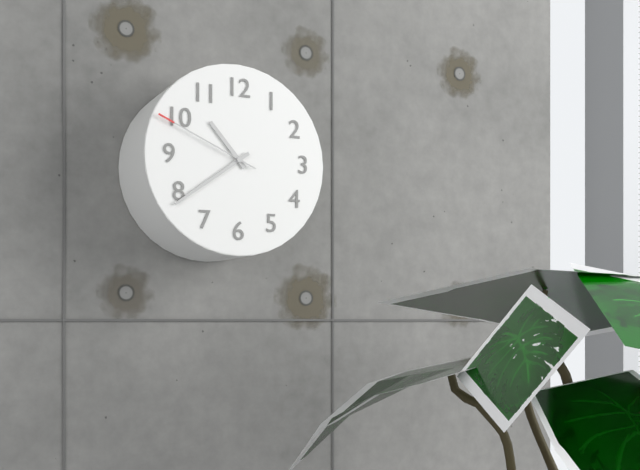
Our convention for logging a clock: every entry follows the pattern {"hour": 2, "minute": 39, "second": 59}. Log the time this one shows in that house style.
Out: {"hour": 10, "minute": 39, "second": 49}
